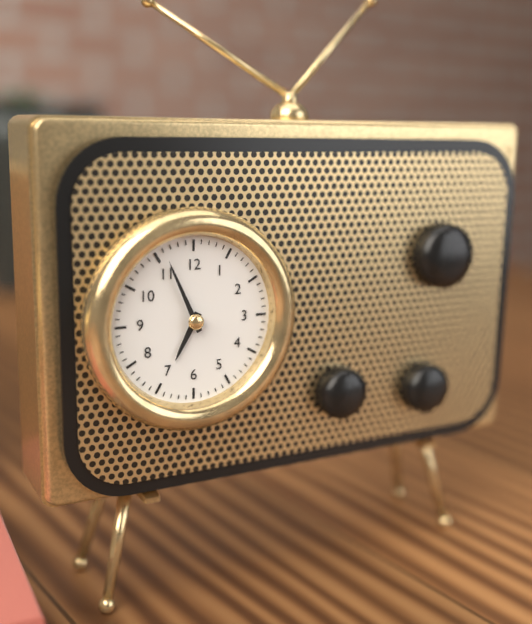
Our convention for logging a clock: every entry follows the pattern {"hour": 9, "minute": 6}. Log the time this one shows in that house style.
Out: {"hour": 6, "minute": 56}
